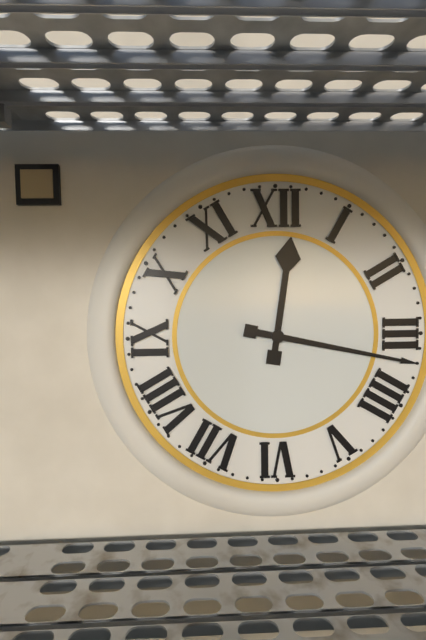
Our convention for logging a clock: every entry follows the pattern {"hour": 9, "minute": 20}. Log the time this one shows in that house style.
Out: {"hour": 12, "minute": 17}
